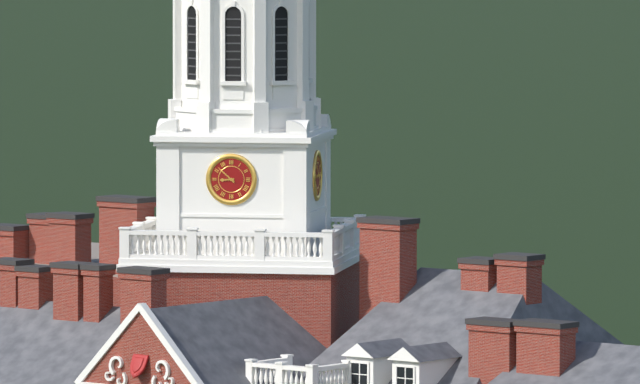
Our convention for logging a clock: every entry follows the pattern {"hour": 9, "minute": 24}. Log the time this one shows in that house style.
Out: {"hour": 8, "minute": 52}
